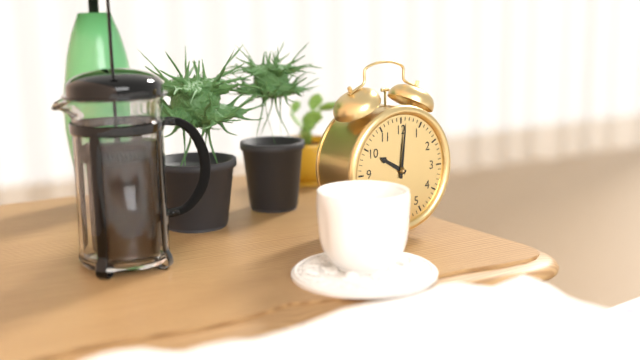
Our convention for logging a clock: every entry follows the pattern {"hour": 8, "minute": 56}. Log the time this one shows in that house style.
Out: {"hour": 10, "minute": 1}
